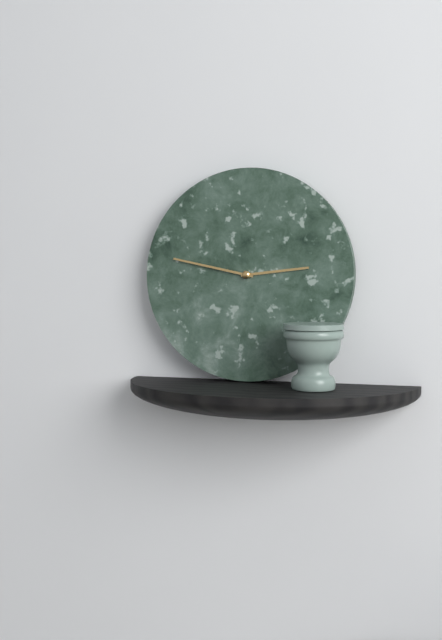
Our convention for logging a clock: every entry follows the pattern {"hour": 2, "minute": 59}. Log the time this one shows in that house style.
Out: {"hour": 2, "minute": 47}
